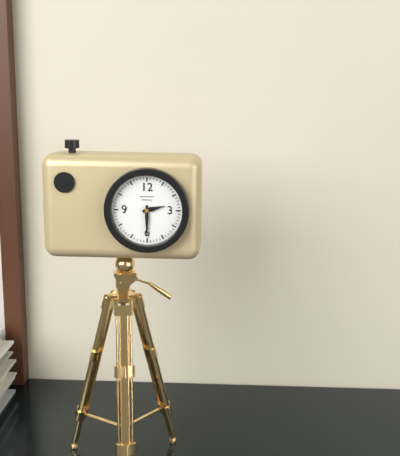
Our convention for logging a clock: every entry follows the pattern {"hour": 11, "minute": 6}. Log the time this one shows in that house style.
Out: {"hour": 2, "minute": 30}
